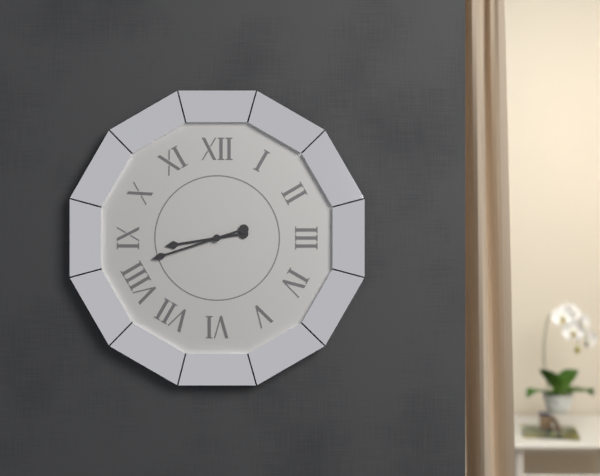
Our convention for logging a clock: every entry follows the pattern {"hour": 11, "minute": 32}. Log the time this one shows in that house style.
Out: {"hour": 8, "minute": 42}
